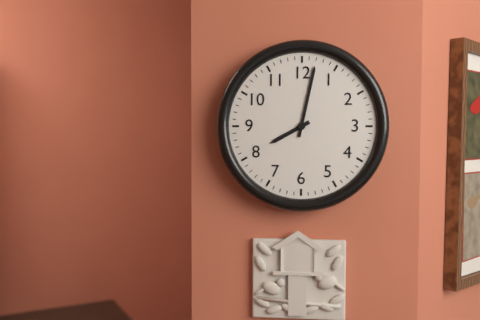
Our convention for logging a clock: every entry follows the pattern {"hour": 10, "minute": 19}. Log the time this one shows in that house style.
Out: {"hour": 8, "minute": 2}
